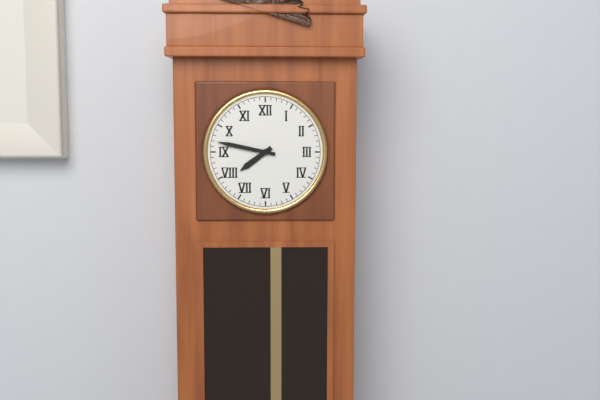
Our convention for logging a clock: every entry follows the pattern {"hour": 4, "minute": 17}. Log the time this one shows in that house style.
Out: {"hour": 7, "minute": 47}
